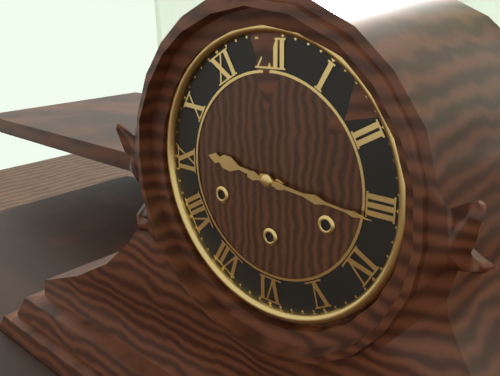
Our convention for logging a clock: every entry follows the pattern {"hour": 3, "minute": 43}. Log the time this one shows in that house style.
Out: {"hour": 9, "minute": 16}
